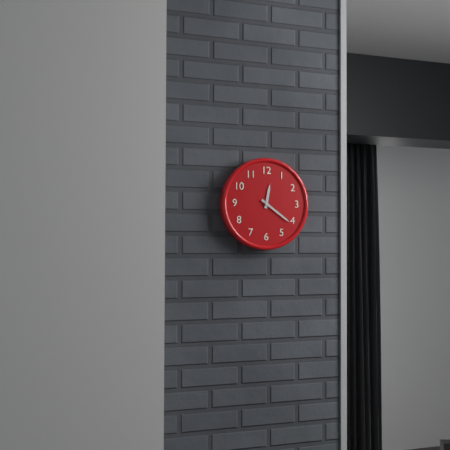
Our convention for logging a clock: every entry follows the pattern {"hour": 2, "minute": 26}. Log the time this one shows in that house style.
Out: {"hour": 12, "minute": 21}
